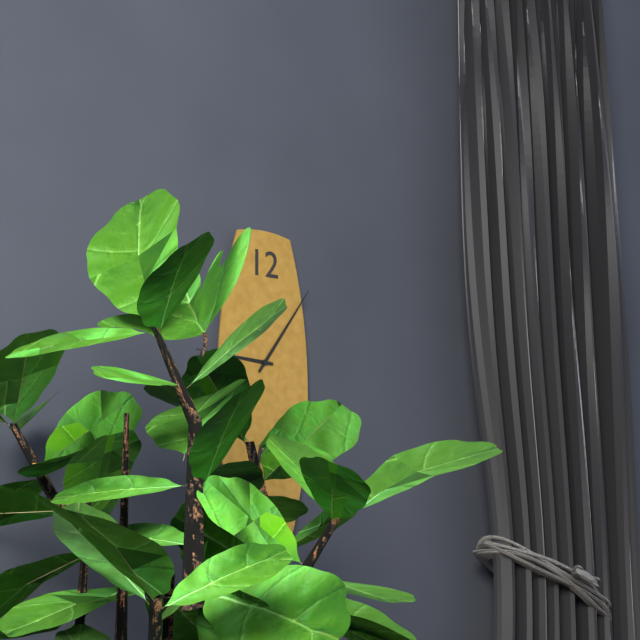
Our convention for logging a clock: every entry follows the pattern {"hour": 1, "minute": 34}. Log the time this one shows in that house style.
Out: {"hour": 9, "minute": 6}
